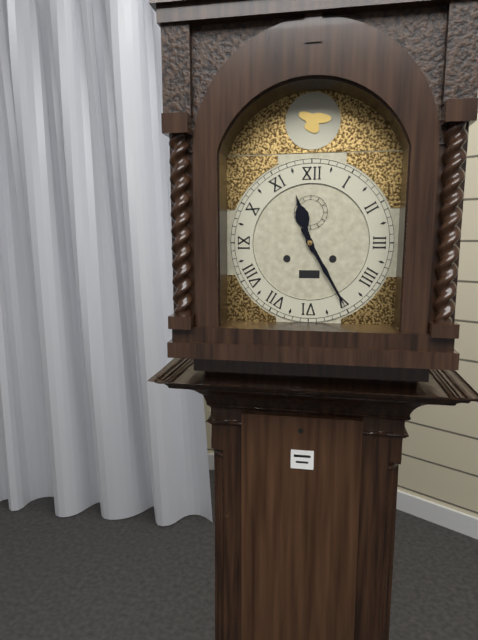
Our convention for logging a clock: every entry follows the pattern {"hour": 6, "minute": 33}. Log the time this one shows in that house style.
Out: {"hour": 11, "minute": 25}
